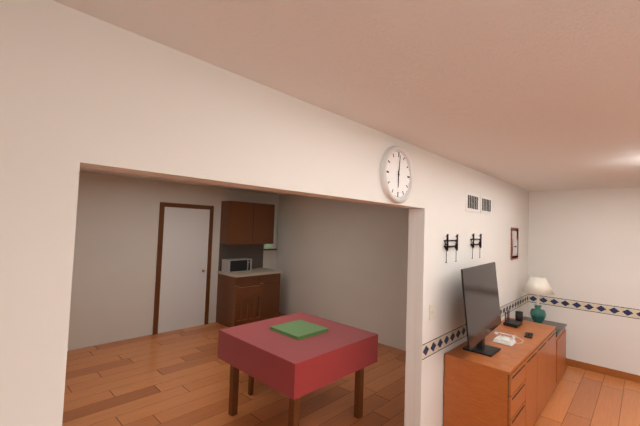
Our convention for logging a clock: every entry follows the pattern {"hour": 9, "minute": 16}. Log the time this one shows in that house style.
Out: {"hour": 6, "minute": 1}
